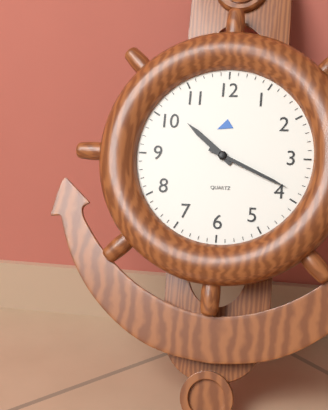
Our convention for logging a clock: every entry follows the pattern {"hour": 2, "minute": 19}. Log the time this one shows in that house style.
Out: {"hour": 10, "minute": 19}
